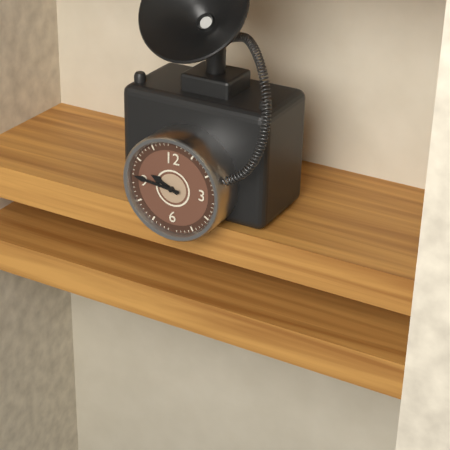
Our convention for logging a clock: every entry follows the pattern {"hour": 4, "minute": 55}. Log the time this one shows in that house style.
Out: {"hour": 9, "minute": 46}
